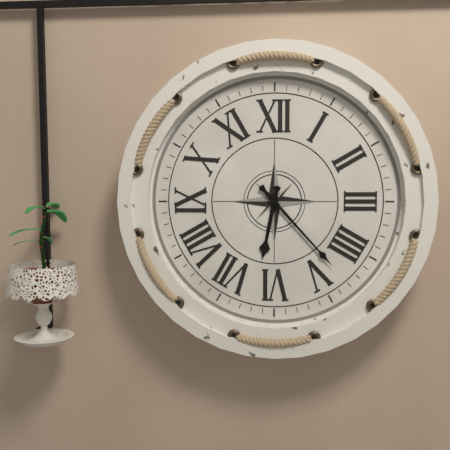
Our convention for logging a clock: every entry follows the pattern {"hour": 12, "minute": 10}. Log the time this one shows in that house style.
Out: {"hour": 6, "minute": 23}
